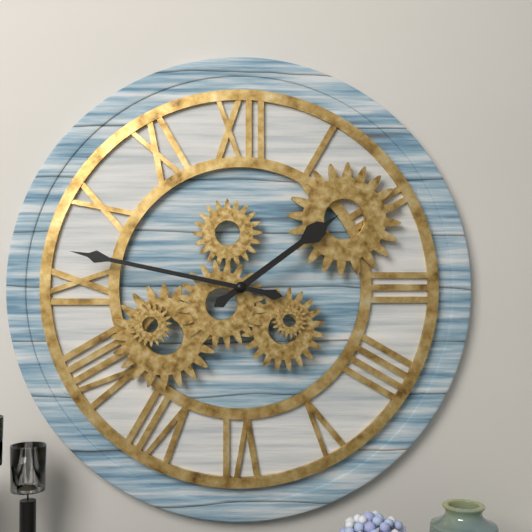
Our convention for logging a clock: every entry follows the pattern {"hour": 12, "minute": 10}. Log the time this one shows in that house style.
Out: {"hour": 1, "minute": 47}
